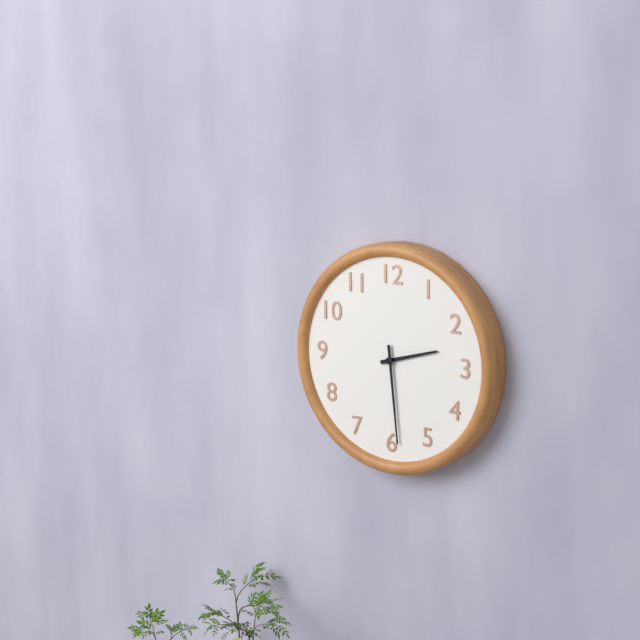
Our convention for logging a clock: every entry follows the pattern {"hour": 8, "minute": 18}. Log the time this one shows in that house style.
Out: {"hour": 2, "minute": 29}
